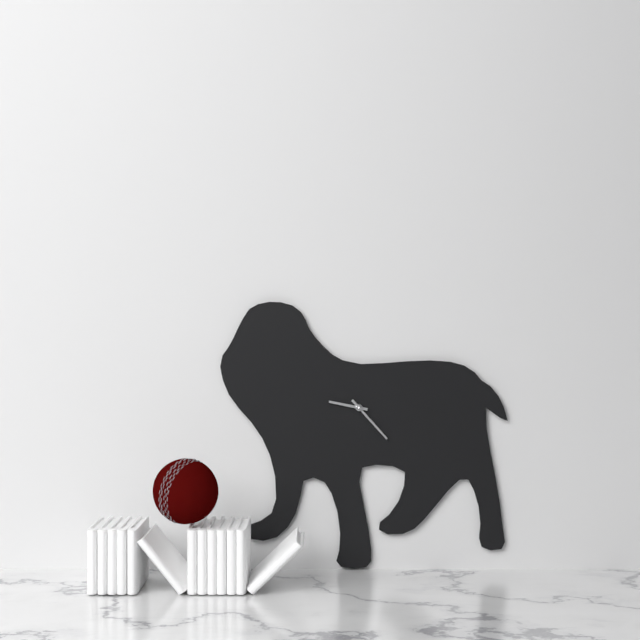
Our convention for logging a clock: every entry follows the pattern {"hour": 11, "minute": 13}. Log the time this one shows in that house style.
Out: {"hour": 9, "minute": 23}
